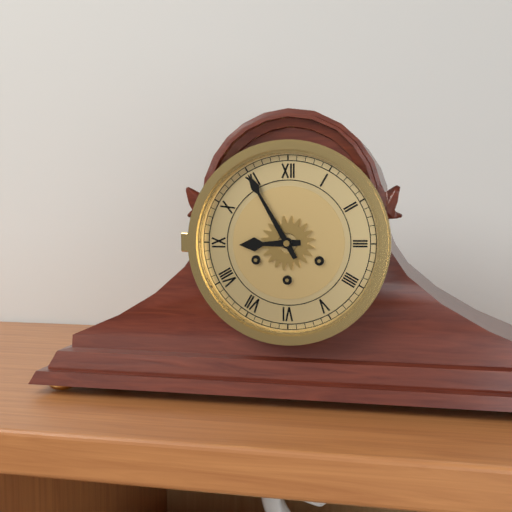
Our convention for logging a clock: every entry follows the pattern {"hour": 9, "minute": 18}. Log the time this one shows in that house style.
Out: {"hour": 8, "minute": 55}
